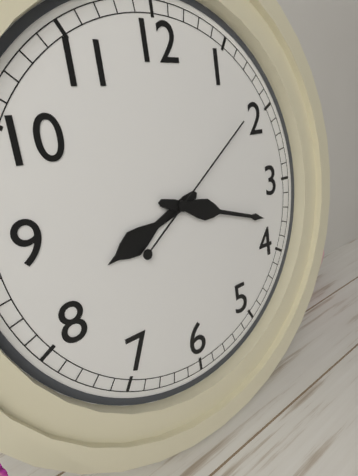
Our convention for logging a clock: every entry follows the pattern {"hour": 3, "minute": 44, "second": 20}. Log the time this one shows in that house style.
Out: {"hour": 8, "minute": 18, "second": 9}
